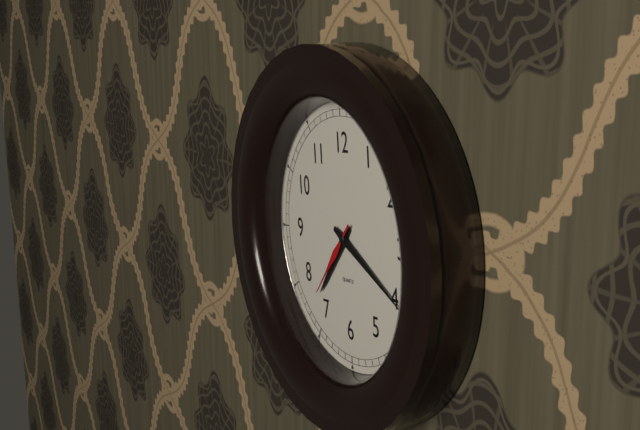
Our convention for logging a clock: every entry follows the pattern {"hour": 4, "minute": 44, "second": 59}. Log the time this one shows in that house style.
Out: {"hour": 7, "minute": 20, "second": 37}
